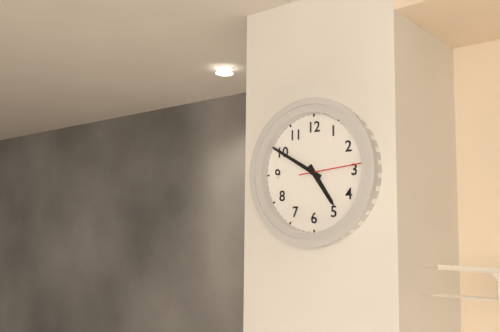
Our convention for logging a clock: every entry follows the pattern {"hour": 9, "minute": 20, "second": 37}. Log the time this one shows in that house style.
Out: {"hour": 4, "minute": 50, "second": 14}
